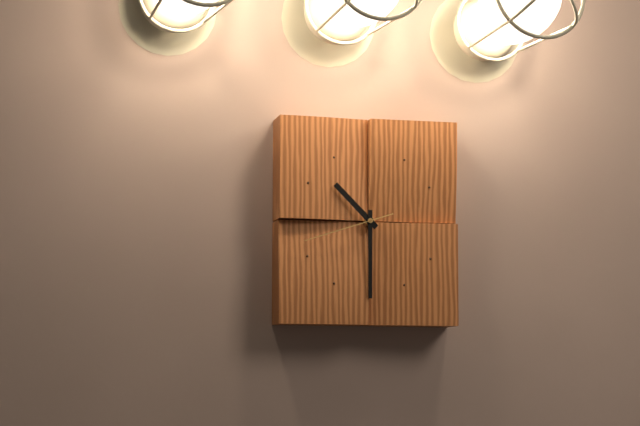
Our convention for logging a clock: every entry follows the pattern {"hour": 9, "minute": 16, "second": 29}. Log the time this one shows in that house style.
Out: {"hour": 10, "minute": 30, "second": 42}
